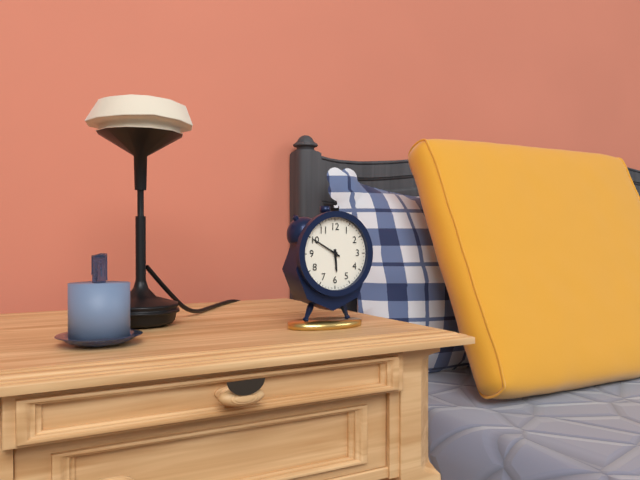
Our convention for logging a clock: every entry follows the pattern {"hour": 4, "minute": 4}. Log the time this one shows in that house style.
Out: {"hour": 5, "minute": 50}
